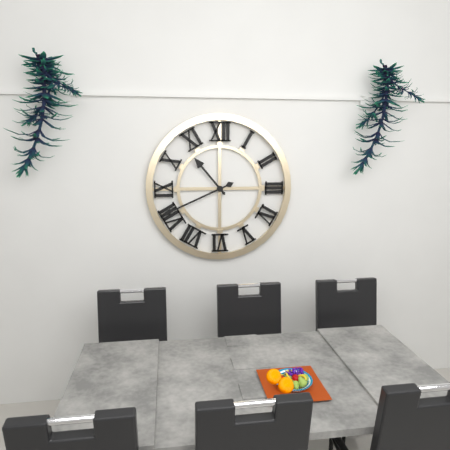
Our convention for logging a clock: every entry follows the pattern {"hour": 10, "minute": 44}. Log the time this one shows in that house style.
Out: {"hour": 10, "minute": 41}
